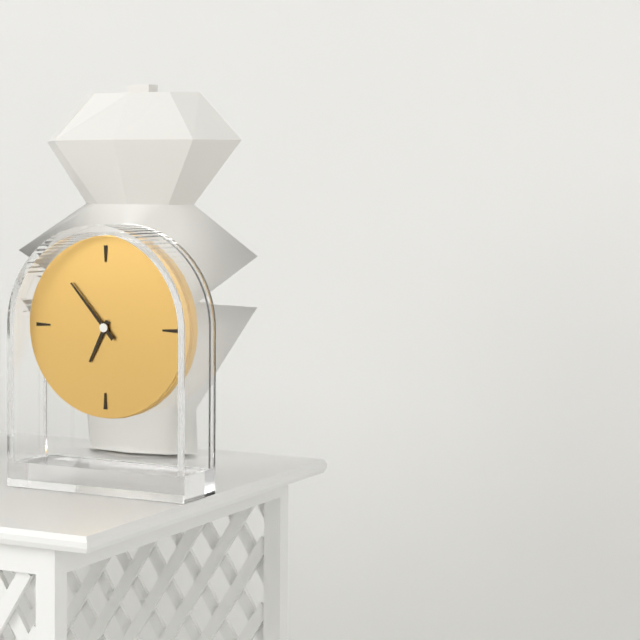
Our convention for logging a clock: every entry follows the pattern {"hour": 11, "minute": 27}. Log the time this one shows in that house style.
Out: {"hour": 6, "minute": 53}
